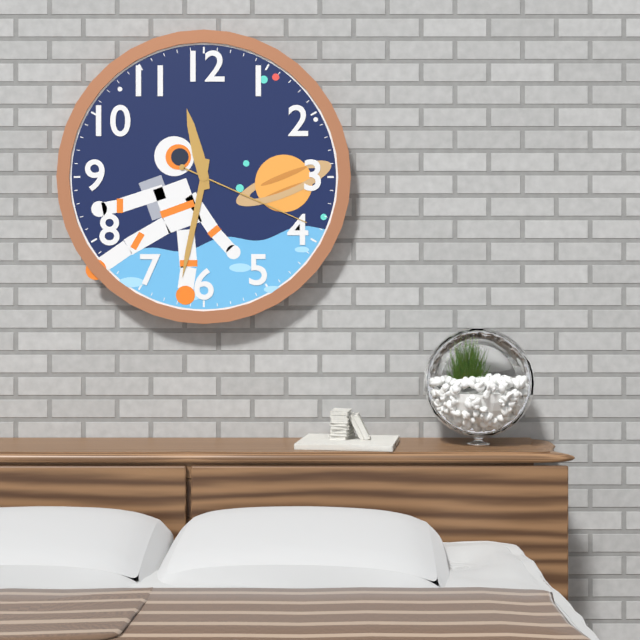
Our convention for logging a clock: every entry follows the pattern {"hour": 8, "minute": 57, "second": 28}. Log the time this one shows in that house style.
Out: {"hour": 11, "minute": 32, "second": 19}
